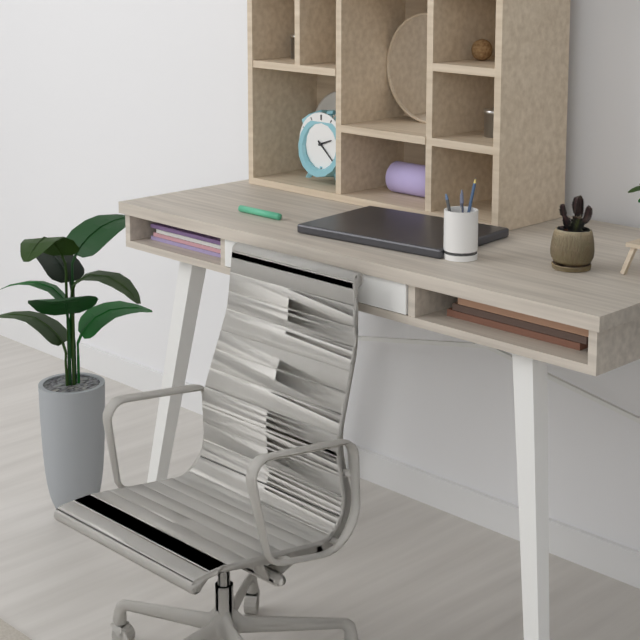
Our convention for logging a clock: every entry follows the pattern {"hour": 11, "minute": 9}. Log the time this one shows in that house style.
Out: {"hour": 2, "minute": 22}
